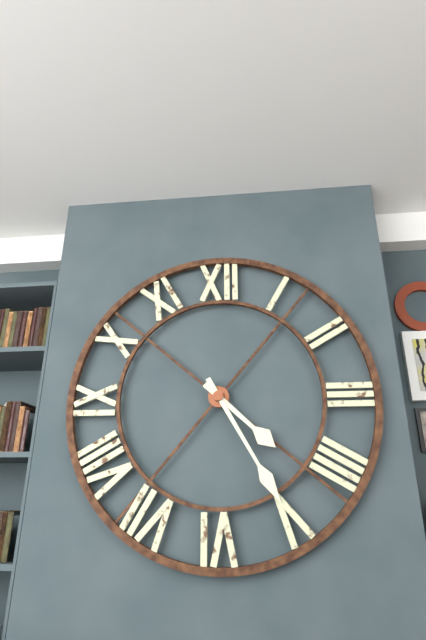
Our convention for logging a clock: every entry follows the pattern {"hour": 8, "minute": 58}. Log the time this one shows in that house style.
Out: {"hour": 4, "minute": 25}
